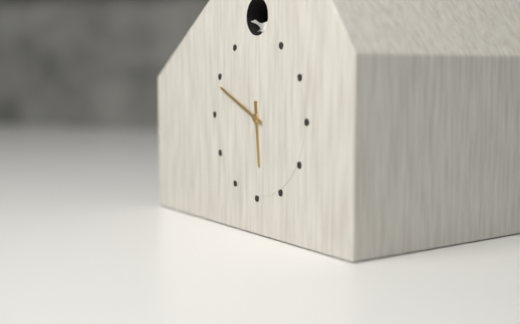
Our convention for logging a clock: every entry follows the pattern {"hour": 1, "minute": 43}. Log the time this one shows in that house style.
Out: {"hour": 5, "minute": 49}
